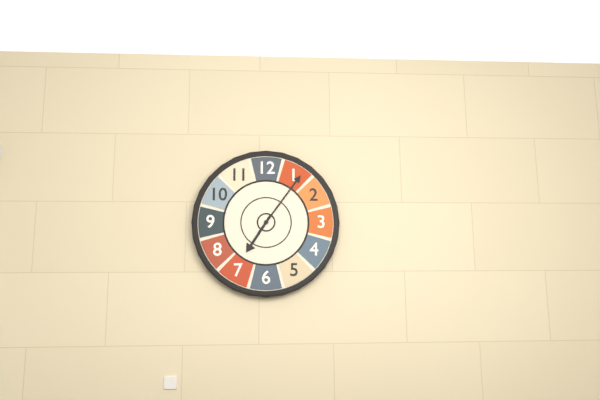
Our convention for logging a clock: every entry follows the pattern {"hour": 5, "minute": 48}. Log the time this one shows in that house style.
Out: {"hour": 7, "minute": 6}
